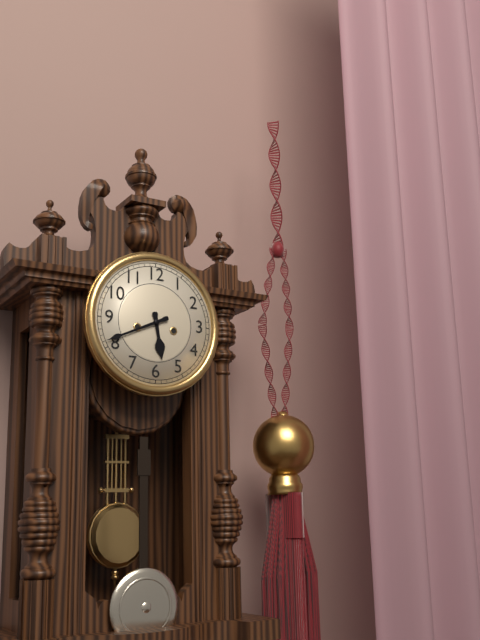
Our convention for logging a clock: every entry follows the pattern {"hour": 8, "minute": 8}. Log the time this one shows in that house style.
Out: {"hour": 5, "minute": 41}
